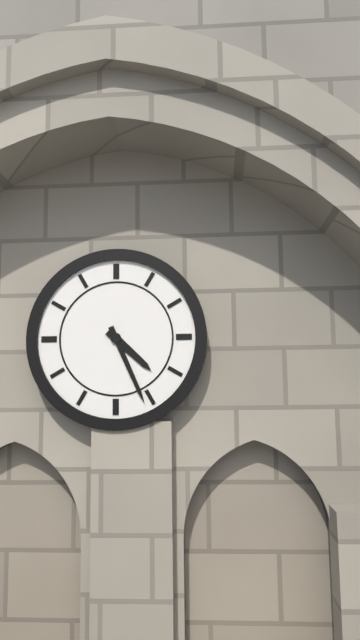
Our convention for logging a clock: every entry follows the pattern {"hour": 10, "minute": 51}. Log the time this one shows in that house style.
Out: {"hour": 4, "minute": 26}
